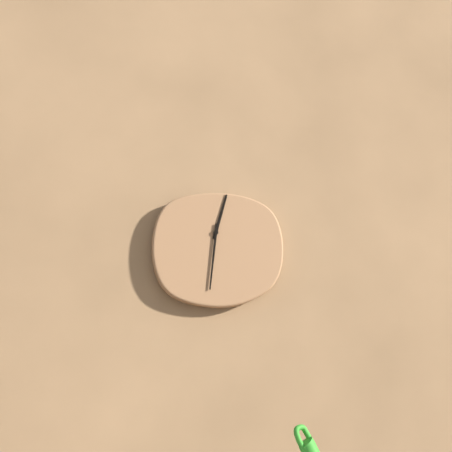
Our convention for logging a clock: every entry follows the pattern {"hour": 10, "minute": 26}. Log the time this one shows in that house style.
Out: {"hour": 12, "minute": 31}
